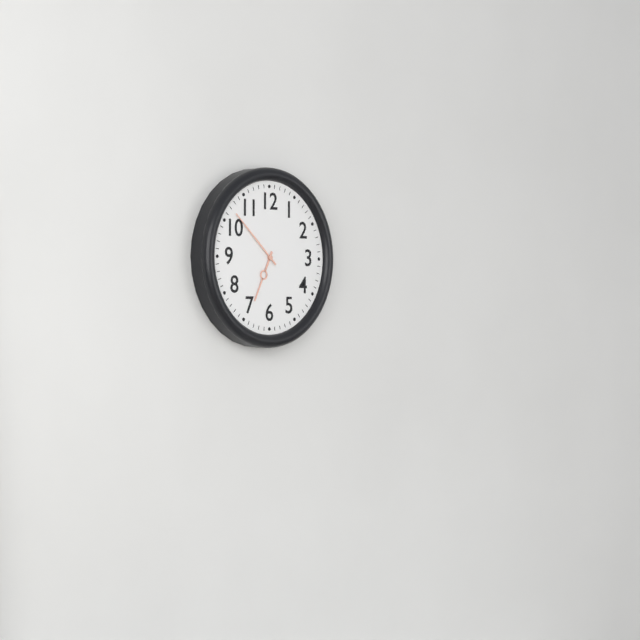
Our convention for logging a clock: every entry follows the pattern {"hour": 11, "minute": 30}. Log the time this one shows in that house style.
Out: {"hour": 6, "minute": 52}
